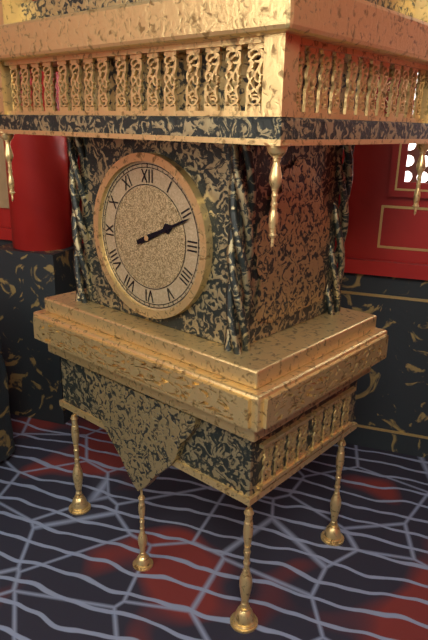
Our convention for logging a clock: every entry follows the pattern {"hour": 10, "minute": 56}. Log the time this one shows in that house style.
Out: {"hour": 2, "minute": 11}
